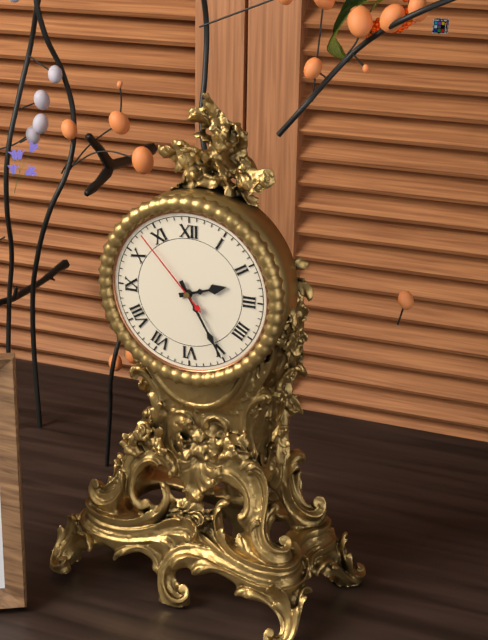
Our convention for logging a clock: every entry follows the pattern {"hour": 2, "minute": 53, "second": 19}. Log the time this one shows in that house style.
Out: {"hour": 2, "minute": 25, "second": 53}
